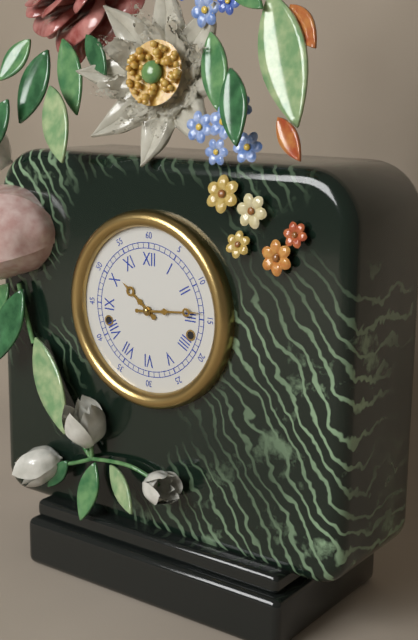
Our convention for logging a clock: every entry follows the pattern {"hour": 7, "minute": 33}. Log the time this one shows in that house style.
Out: {"hour": 10, "minute": 14}
